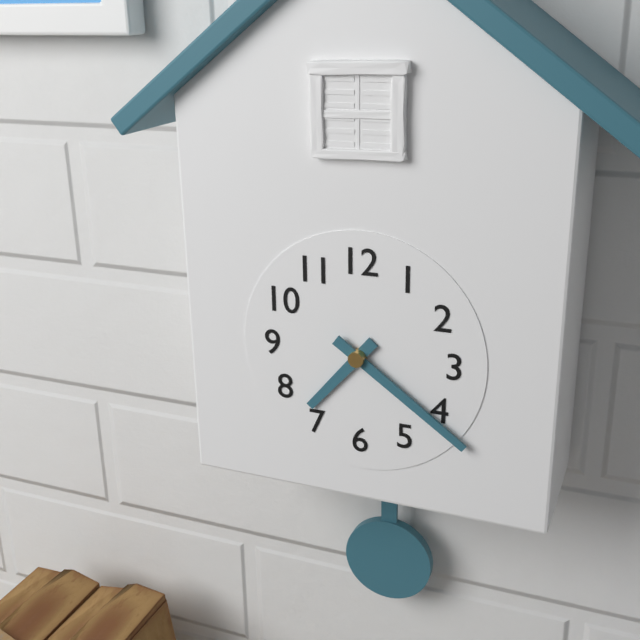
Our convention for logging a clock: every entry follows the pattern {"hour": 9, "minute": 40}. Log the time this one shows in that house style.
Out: {"hour": 7, "minute": 21}
